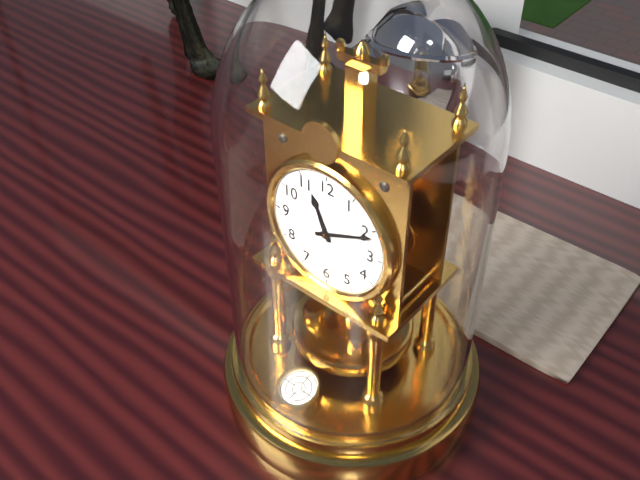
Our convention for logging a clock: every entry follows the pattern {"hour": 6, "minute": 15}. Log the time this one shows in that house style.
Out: {"hour": 11, "minute": 11}
